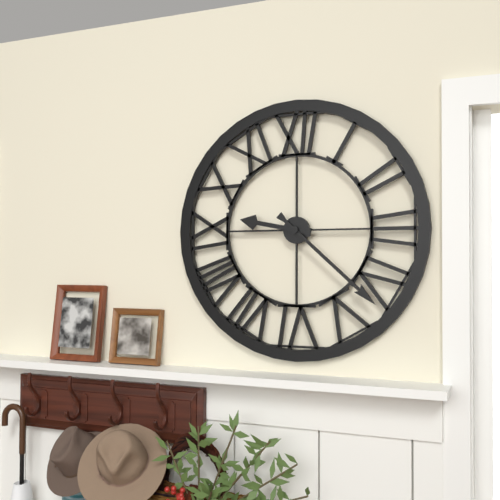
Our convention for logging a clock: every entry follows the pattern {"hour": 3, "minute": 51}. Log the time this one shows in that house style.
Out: {"hour": 9, "minute": 22}
